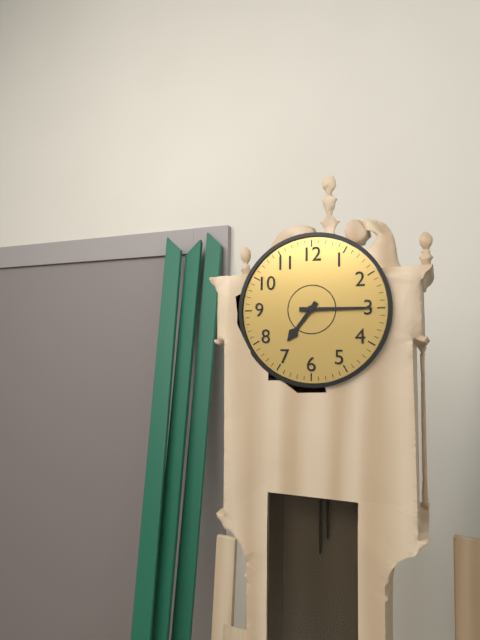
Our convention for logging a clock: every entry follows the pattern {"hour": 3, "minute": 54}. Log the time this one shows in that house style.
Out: {"hour": 7, "minute": 15}
